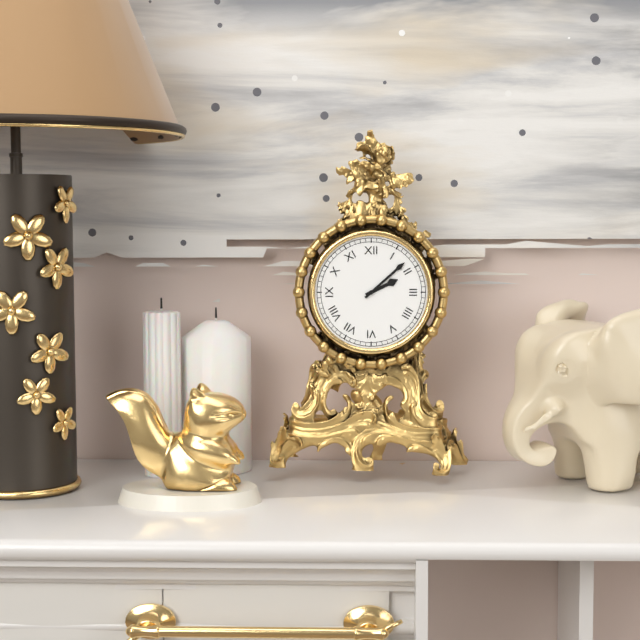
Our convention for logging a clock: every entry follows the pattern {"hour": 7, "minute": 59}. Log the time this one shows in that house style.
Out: {"hour": 2, "minute": 8}
